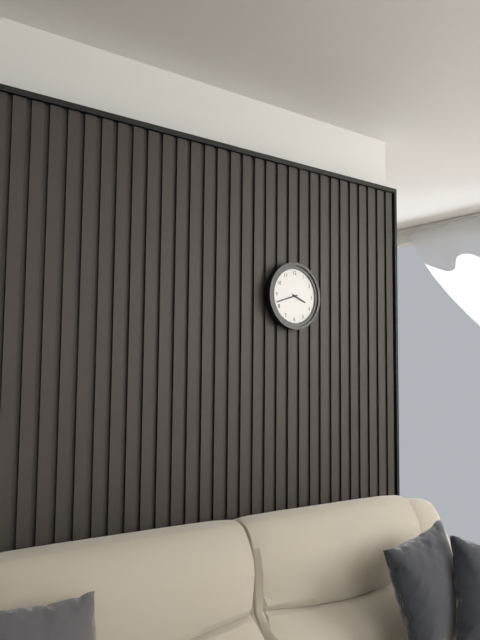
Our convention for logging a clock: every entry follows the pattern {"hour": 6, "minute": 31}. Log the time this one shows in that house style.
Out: {"hour": 3, "minute": 42}
